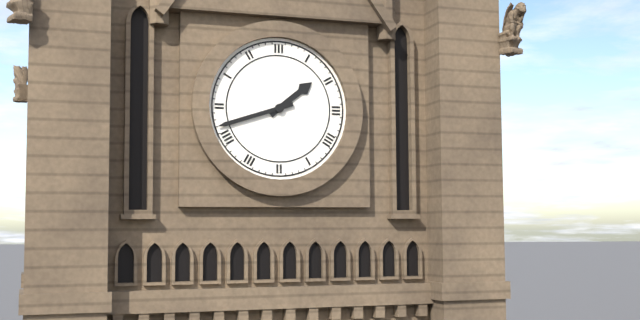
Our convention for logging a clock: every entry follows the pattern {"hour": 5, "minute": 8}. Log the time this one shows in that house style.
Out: {"hour": 1, "minute": 42}
